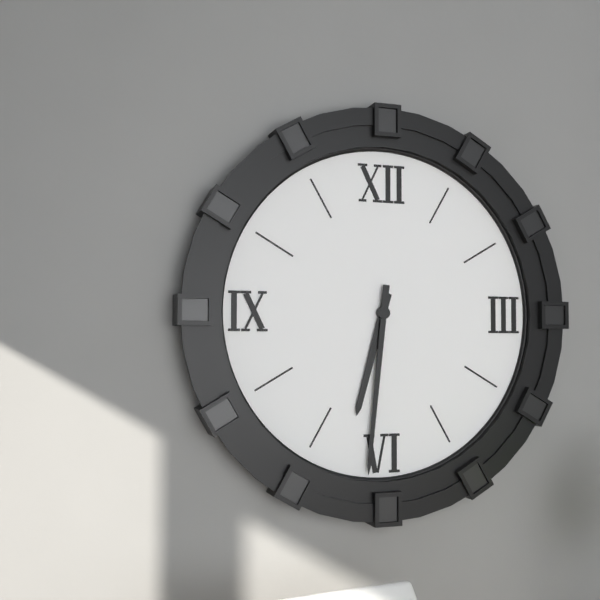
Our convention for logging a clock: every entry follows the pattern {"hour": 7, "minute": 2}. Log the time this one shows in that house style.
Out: {"hour": 6, "minute": 31}
